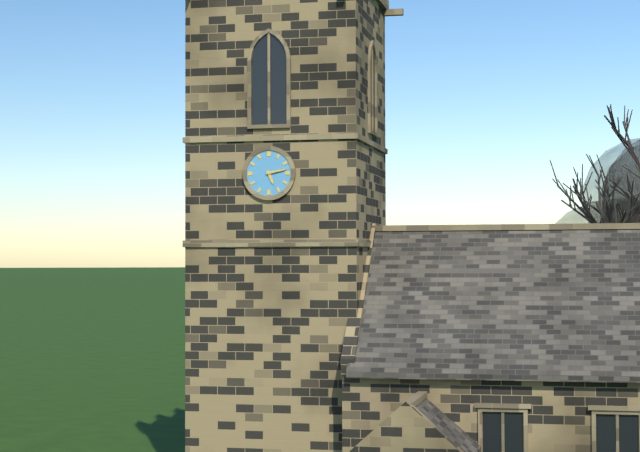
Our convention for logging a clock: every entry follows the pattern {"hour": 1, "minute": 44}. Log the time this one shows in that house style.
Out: {"hour": 5, "minute": 13}
